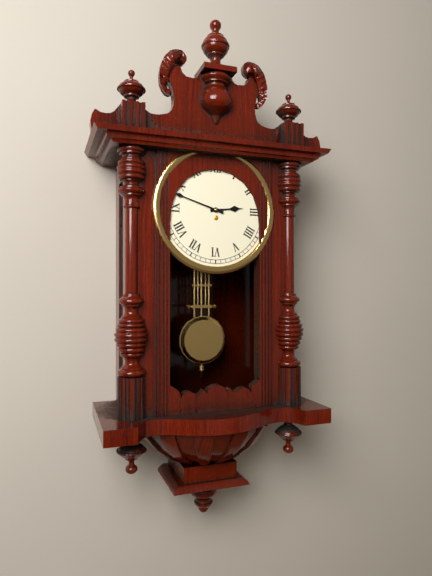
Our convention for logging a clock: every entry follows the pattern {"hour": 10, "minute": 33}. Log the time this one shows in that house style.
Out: {"hour": 2, "minute": 48}
